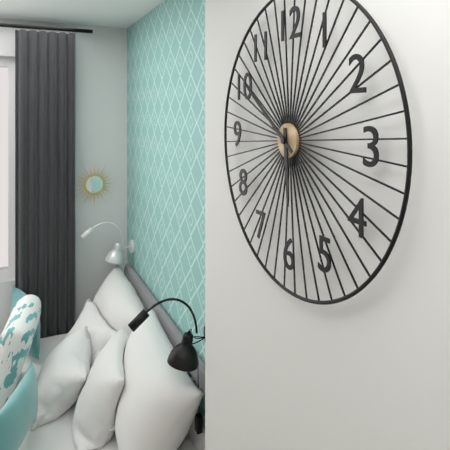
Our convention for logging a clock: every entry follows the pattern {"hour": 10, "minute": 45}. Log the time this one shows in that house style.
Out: {"hour": 5, "minute": 51}
